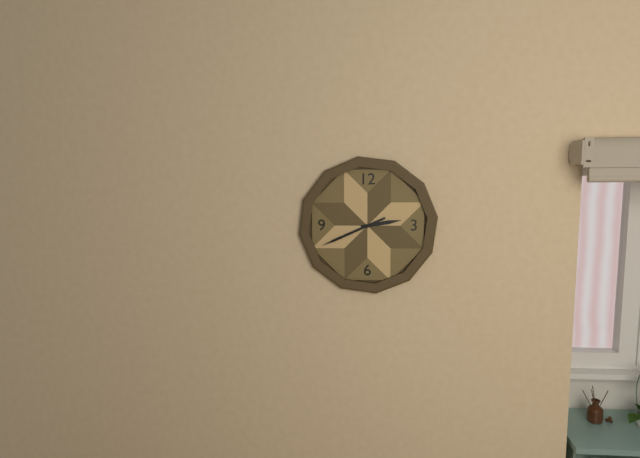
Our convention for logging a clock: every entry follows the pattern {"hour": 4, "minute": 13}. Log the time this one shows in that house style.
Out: {"hour": 2, "minute": 41}
